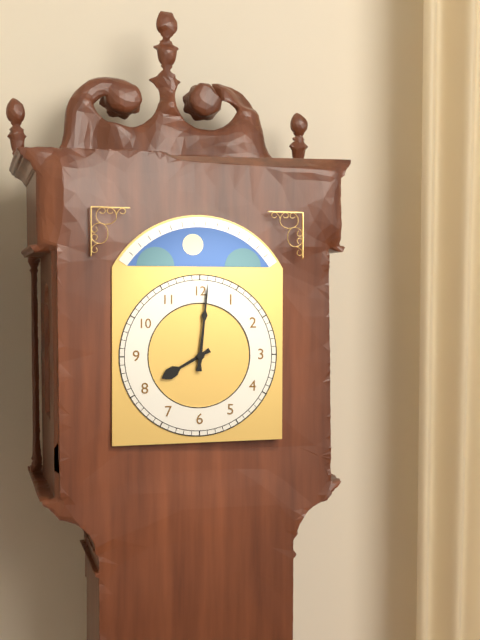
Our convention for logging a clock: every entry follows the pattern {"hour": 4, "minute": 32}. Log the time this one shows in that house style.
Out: {"hour": 8, "minute": 1}
